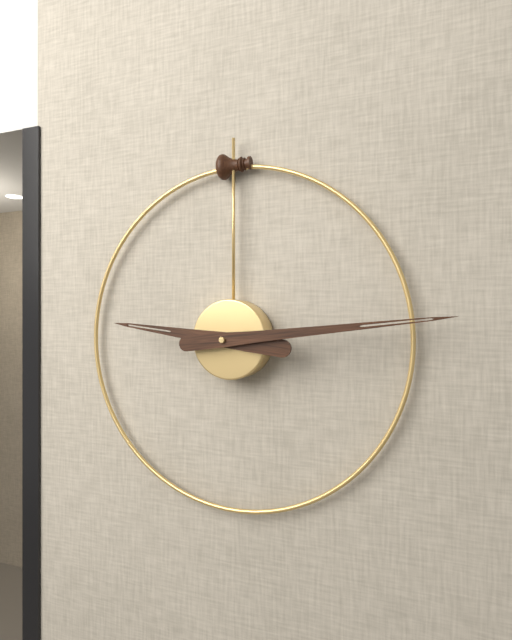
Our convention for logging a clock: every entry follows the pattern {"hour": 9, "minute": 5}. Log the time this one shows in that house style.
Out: {"hour": 9, "minute": 14}
